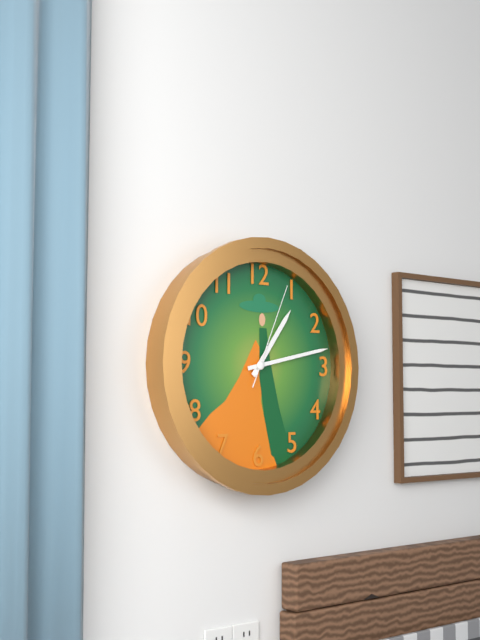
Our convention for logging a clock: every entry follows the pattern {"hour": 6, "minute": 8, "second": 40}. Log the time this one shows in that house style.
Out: {"hour": 1, "minute": 13, "second": 4}
